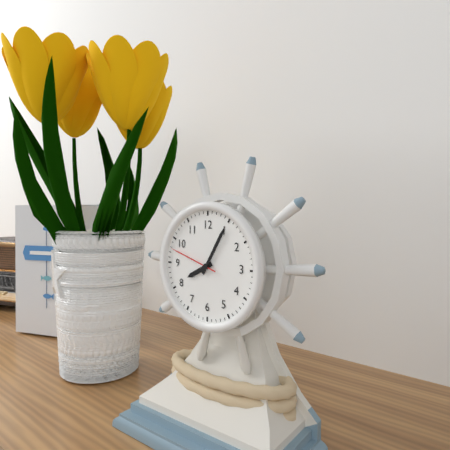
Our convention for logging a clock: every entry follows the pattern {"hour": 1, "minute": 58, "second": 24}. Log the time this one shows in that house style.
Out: {"hour": 8, "minute": 5, "second": 48}
